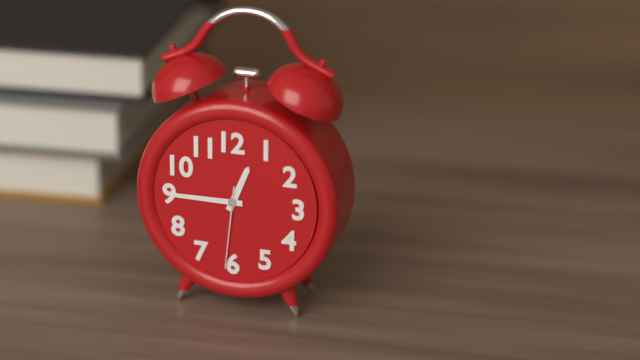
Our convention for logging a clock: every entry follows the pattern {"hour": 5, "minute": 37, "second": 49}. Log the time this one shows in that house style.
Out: {"hour": 12, "minute": 45, "second": 31}
